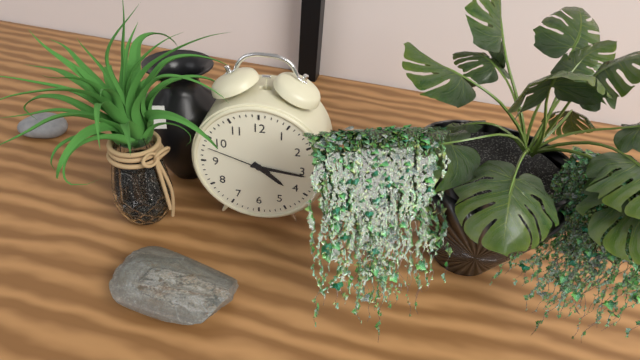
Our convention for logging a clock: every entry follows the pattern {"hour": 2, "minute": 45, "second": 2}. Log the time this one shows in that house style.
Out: {"hour": 4, "minute": 16, "second": 48}
